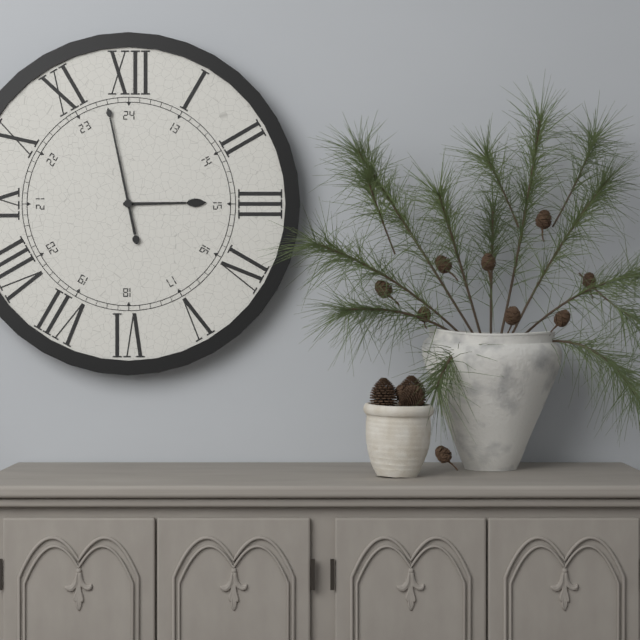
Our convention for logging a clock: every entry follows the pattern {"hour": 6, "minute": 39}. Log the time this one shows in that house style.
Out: {"hour": 2, "minute": 58}
